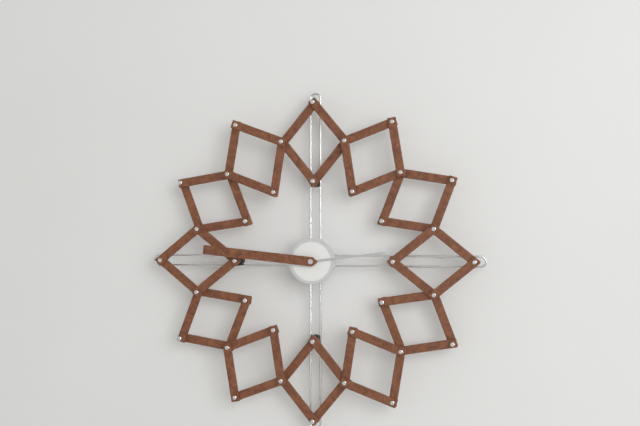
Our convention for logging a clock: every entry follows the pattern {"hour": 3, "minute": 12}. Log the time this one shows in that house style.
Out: {"hour": 2, "minute": 46}
